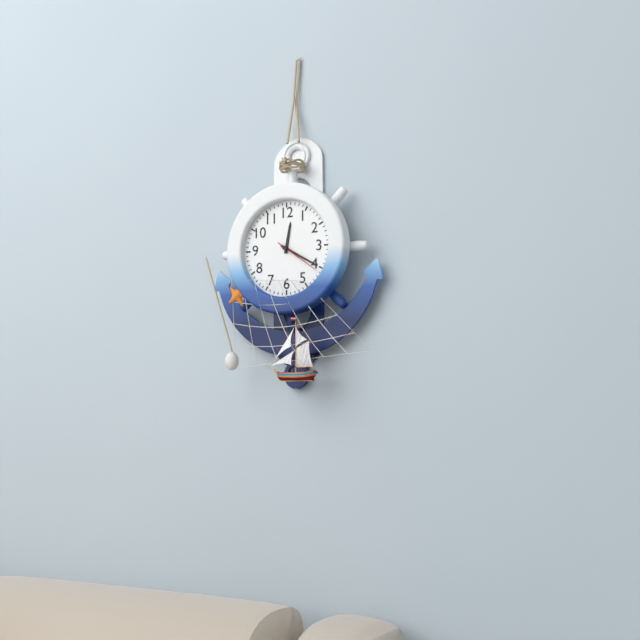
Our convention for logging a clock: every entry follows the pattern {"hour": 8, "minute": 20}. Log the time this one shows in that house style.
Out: {"hour": 12, "minute": 20}
